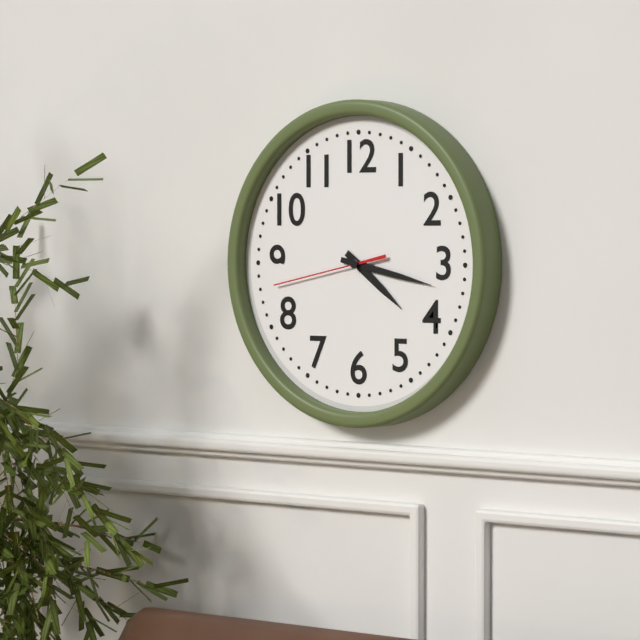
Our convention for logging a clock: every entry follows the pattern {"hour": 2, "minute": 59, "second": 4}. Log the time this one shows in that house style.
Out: {"hour": 4, "minute": 17, "second": 43}
